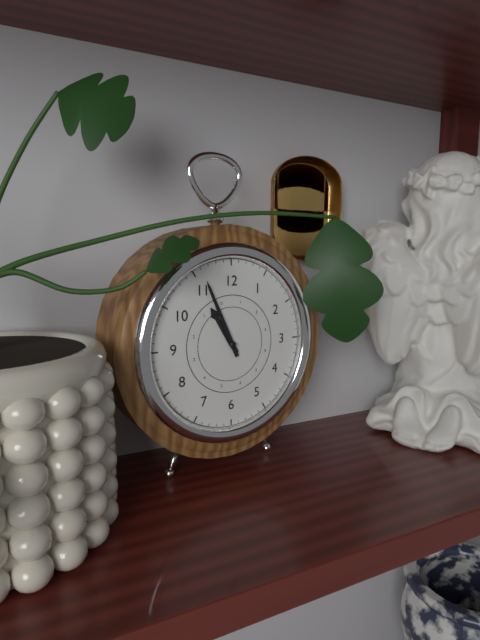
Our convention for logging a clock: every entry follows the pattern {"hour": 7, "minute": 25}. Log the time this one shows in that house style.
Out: {"hour": 10, "minute": 56}
